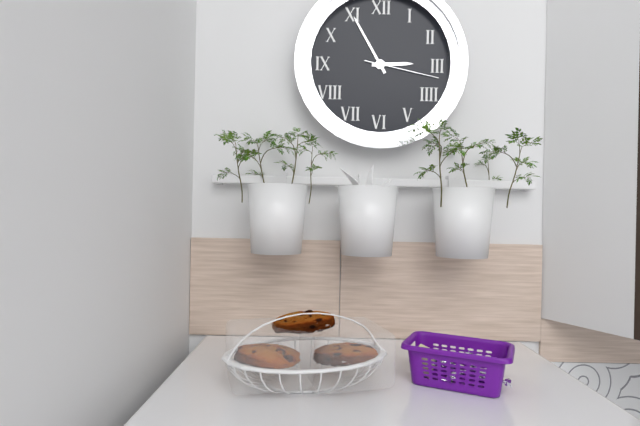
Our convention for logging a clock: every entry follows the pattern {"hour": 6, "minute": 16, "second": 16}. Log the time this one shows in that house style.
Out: {"hour": 2, "minute": 55, "second": 17}
